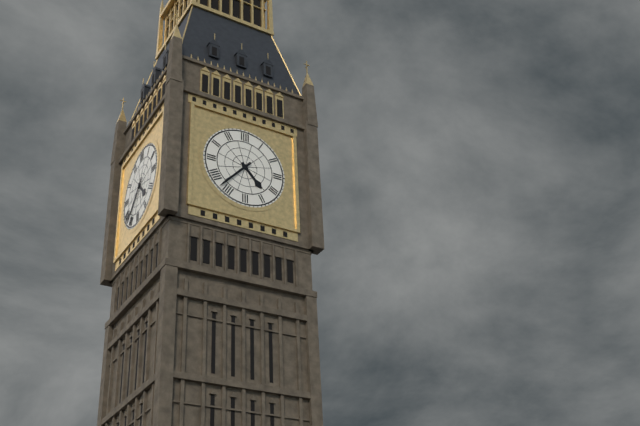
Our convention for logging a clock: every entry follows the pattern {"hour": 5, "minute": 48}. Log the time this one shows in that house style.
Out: {"hour": 4, "minute": 37}
